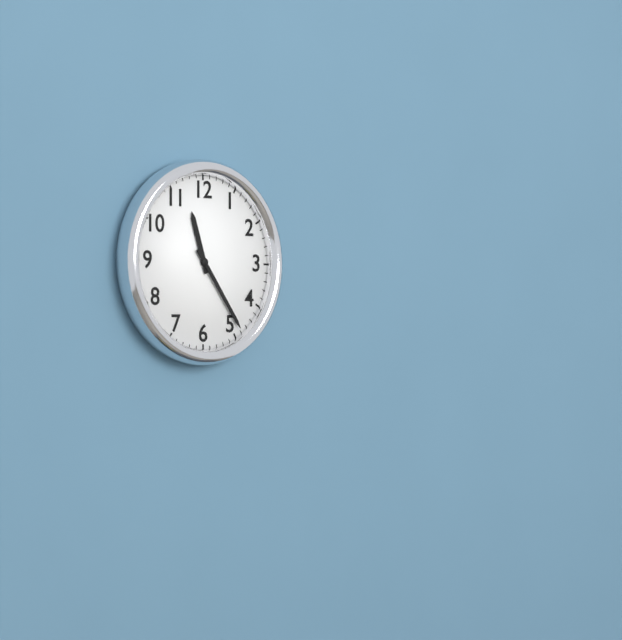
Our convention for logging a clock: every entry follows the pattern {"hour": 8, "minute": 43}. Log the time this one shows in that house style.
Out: {"hour": 11, "minute": 24}
